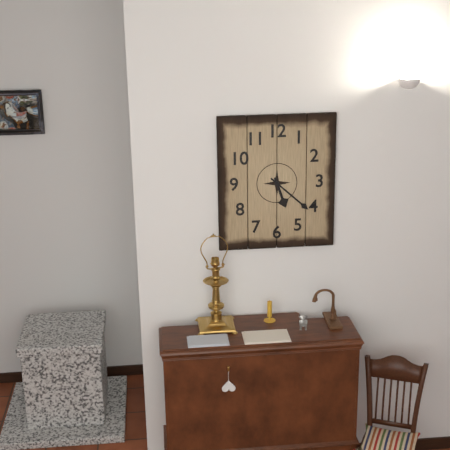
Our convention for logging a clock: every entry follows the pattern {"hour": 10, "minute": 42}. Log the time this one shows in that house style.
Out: {"hour": 5, "minute": 22}
